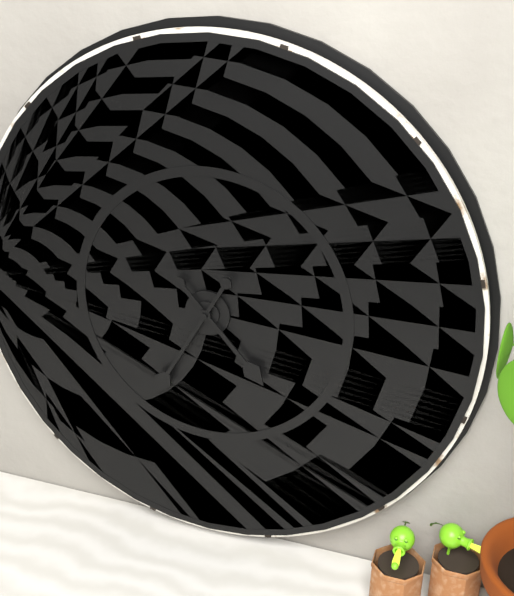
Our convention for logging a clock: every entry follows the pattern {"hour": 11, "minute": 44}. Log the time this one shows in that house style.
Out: {"hour": 4, "minute": 35}
